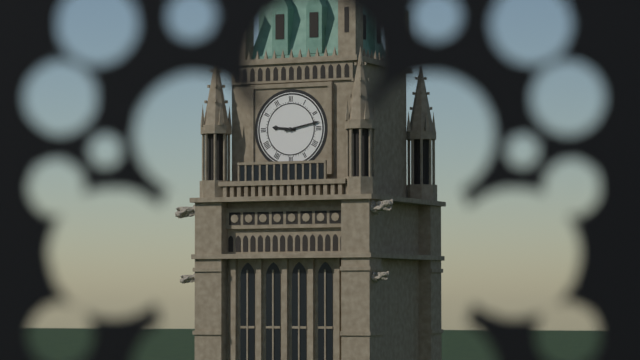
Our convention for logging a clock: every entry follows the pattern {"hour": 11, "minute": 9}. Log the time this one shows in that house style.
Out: {"hour": 9, "minute": 13}
